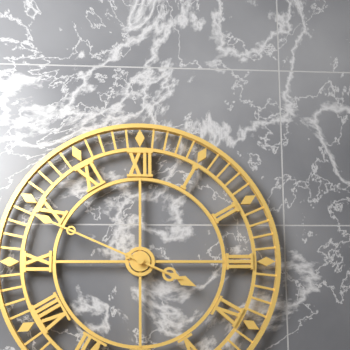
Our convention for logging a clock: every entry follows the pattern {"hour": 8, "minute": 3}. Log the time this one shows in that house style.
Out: {"hour": 3, "minute": 49}
